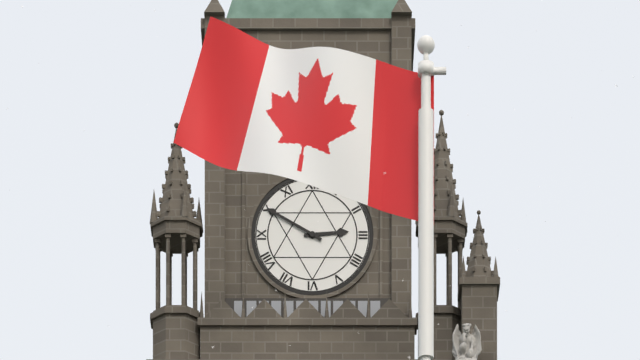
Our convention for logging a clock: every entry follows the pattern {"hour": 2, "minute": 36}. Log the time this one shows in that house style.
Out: {"hour": 2, "minute": 50}
